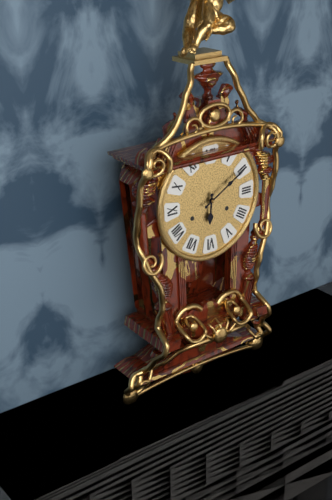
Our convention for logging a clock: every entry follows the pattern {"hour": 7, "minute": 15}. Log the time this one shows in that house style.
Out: {"hour": 6, "minute": 10}
